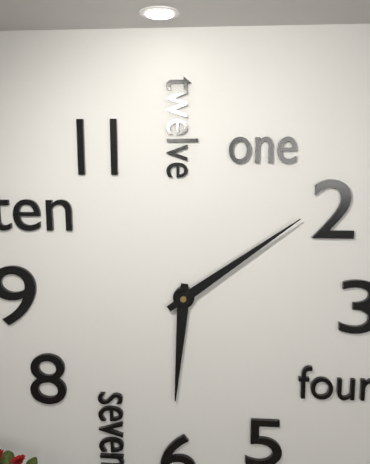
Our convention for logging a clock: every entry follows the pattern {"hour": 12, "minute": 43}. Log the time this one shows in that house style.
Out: {"hour": 6, "minute": 9}
